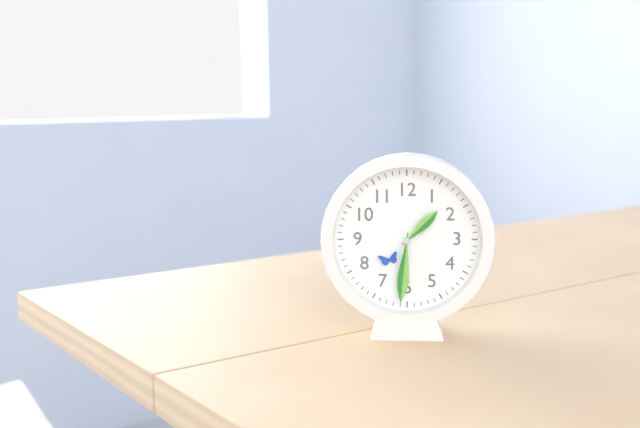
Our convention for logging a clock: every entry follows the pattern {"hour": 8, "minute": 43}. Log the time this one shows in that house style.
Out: {"hour": 1, "minute": 31}
